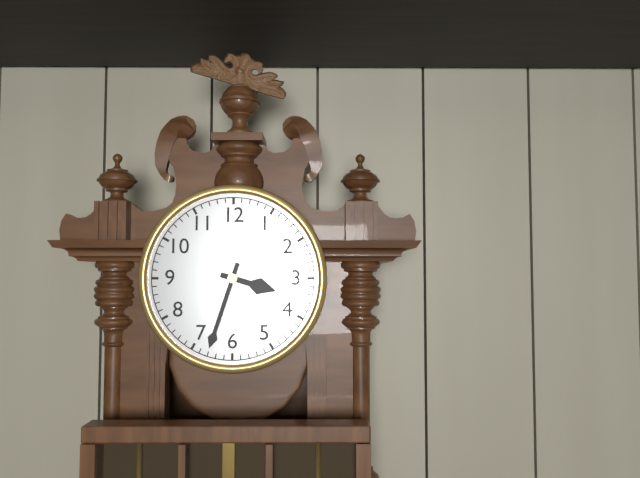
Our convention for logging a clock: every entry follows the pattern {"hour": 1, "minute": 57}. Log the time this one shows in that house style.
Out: {"hour": 3, "minute": 33}
